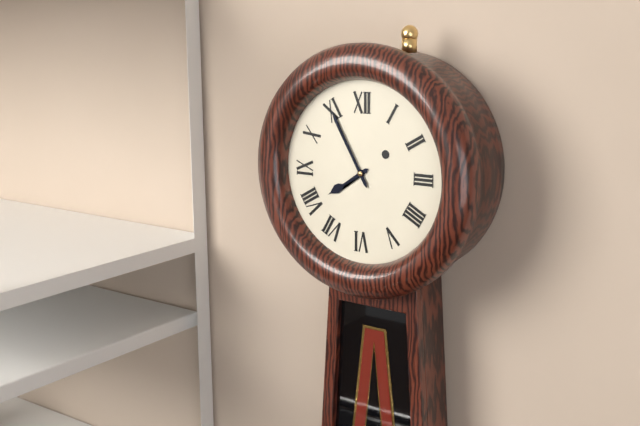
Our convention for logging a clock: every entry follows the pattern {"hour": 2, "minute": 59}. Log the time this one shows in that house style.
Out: {"hour": 7, "minute": 55}
